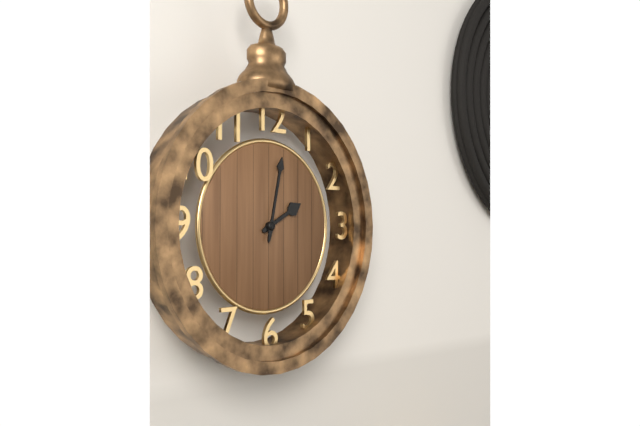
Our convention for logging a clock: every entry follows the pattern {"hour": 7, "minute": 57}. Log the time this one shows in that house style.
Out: {"hour": 2, "minute": 2}
